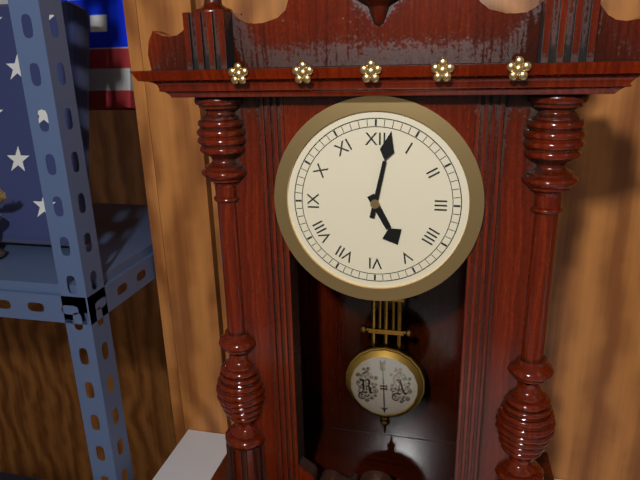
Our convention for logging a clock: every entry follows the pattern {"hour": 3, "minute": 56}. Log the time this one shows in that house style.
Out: {"hour": 5, "minute": 2}
